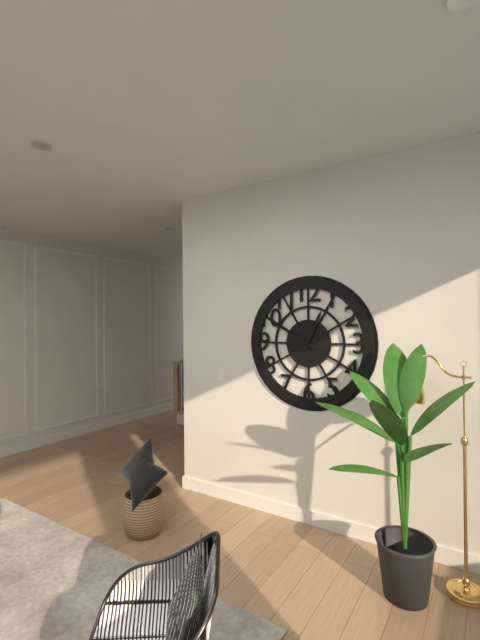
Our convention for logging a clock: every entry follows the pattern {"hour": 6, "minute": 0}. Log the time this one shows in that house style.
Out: {"hour": 12, "minute": 50}
